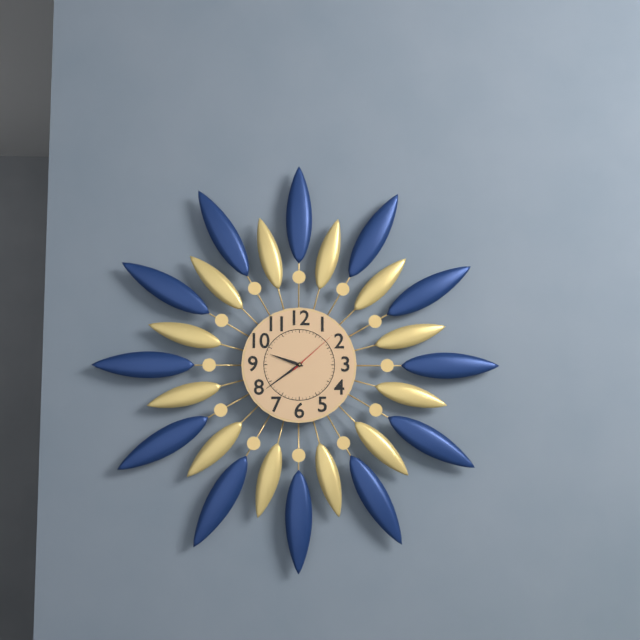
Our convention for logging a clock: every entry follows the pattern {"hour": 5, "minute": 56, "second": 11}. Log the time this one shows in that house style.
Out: {"hour": 9, "minute": 39, "second": 8}
